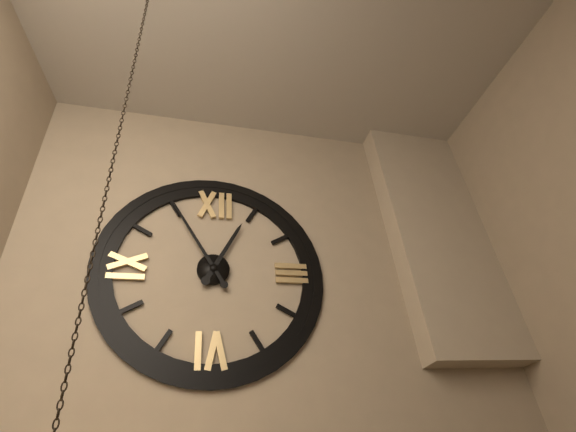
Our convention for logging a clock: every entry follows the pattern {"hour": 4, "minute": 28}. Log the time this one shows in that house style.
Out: {"hour": 12, "minute": 55}
